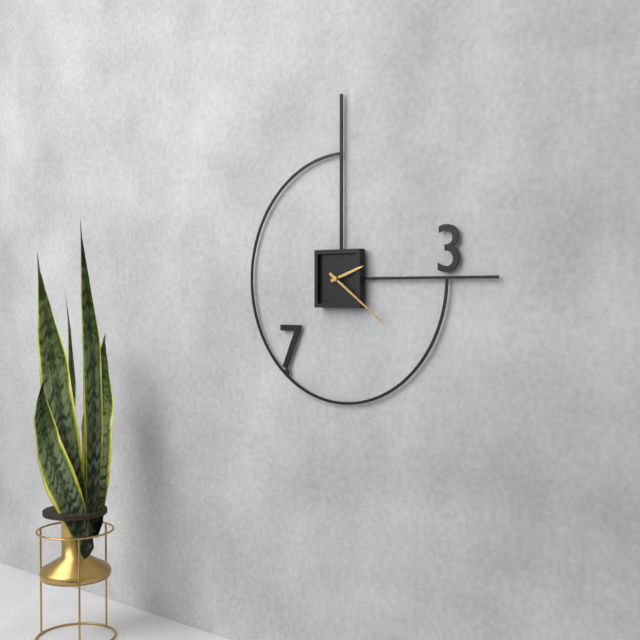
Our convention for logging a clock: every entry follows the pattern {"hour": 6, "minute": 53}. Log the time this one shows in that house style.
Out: {"hour": 2, "minute": 21}
